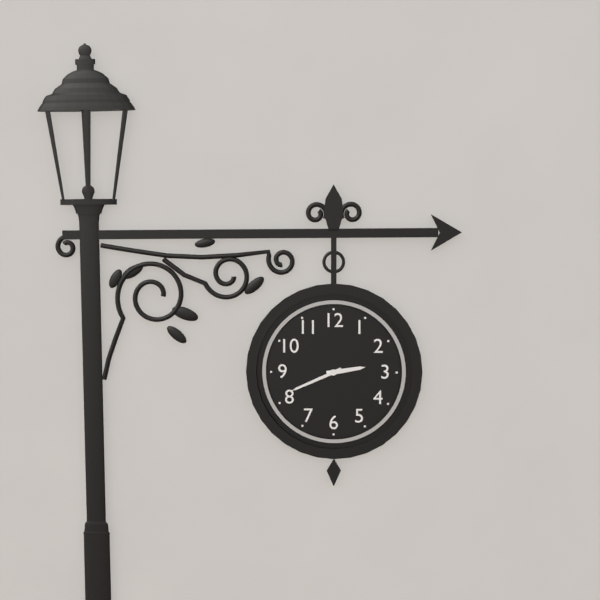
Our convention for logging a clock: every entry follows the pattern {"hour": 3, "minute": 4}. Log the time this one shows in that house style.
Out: {"hour": 2, "minute": 41}
